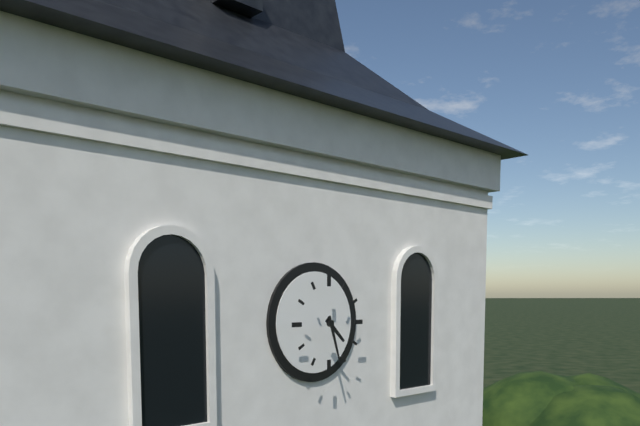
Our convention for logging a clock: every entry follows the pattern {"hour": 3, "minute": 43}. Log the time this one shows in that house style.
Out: {"hour": 4, "minute": 27}
